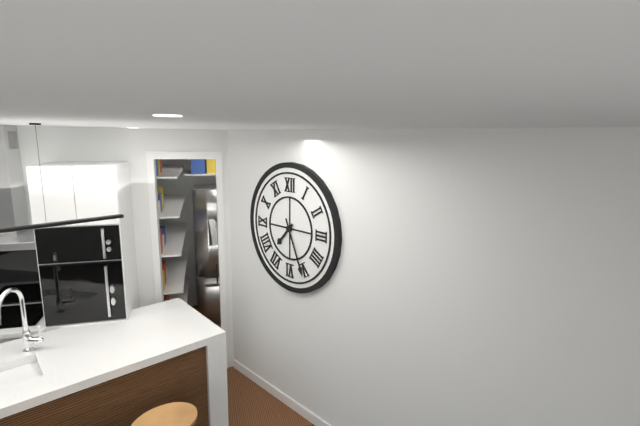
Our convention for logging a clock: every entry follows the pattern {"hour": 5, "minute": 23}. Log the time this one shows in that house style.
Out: {"hour": 7, "minute": 26}
